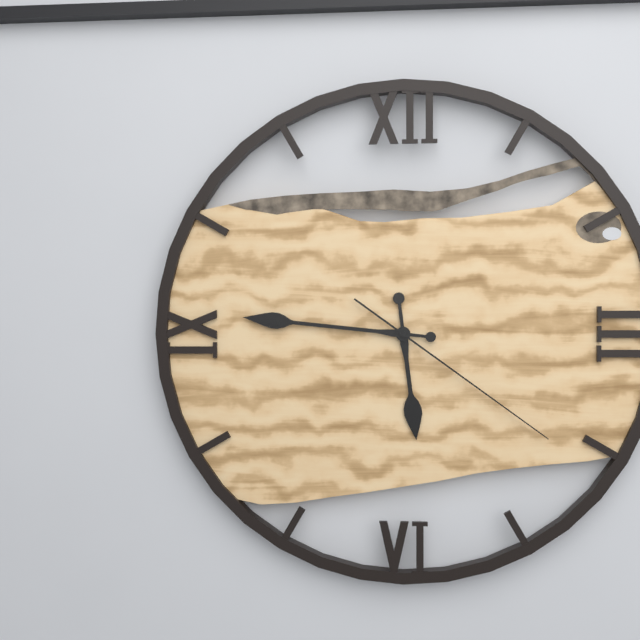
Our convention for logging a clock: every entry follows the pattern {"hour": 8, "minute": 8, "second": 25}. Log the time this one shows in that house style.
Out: {"hour": 5, "minute": 46, "second": 21}
